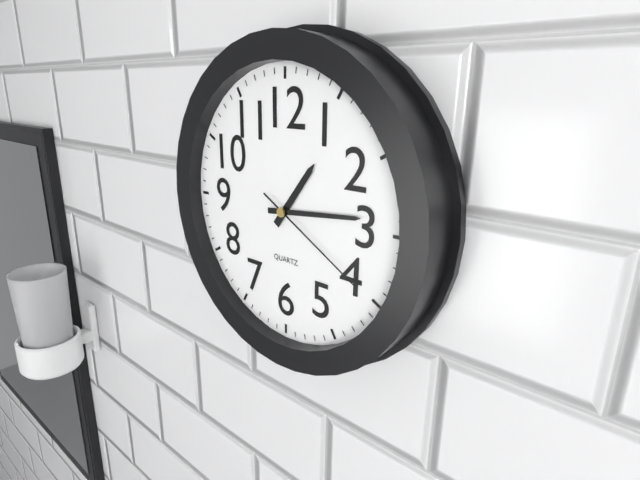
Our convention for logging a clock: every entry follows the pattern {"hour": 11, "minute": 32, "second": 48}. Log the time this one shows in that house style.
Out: {"hour": 1, "minute": 14, "second": 20}
